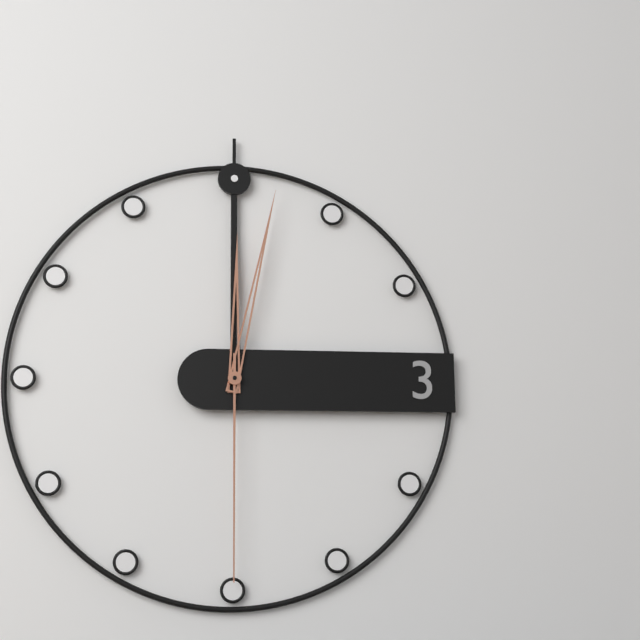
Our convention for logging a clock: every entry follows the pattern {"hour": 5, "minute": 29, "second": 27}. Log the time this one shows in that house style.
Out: {"hour": 12, "minute": 2, "second": 30}
